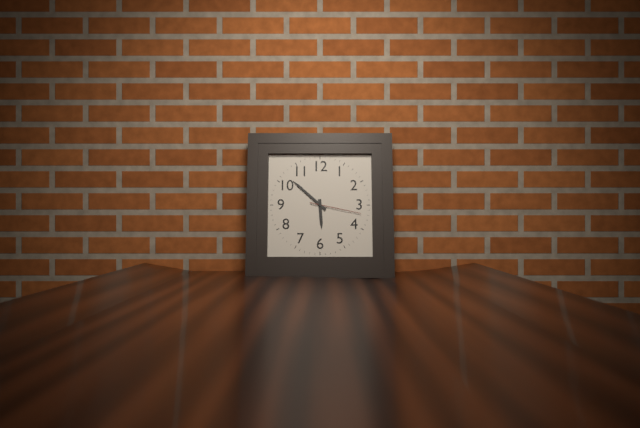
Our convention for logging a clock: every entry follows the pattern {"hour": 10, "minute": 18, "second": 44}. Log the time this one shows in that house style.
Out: {"hour": 5, "minute": 52, "second": 17}
